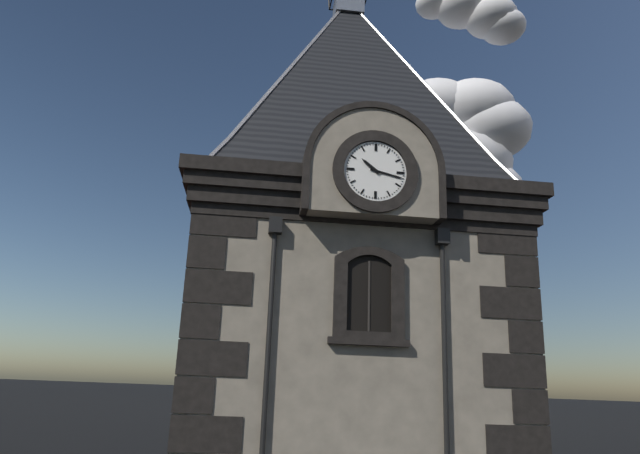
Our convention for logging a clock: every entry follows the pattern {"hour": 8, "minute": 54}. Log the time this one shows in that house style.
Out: {"hour": 10, "minute": 17}
